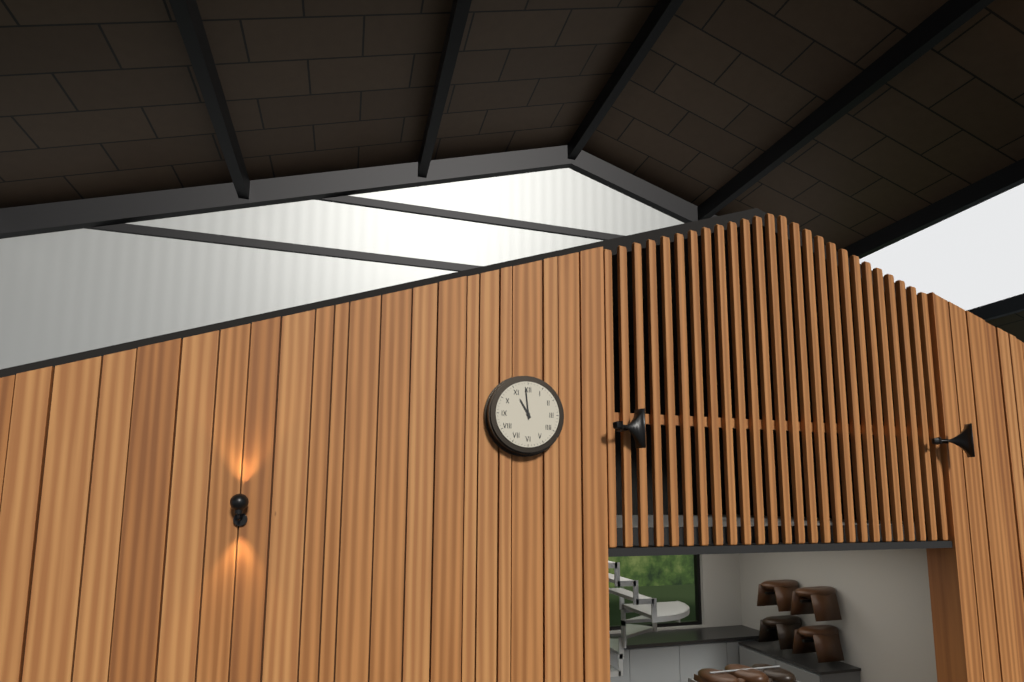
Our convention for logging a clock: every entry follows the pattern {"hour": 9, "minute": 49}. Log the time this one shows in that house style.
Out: {"hour": 10, "minute": 59}
